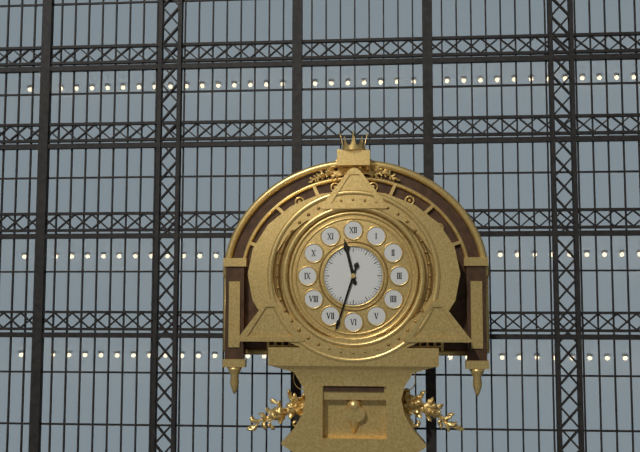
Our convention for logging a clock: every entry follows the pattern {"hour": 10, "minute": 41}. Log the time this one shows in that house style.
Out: {"hour": 11, "minute": 33}
